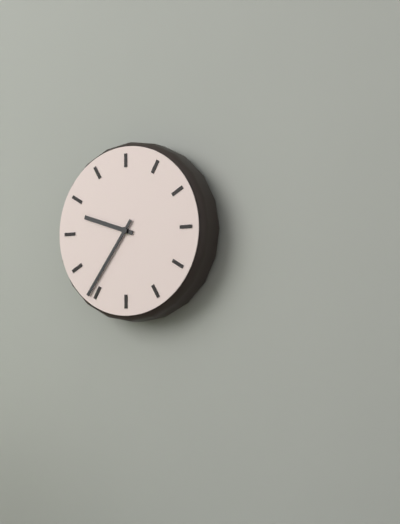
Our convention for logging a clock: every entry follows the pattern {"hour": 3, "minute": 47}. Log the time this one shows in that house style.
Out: {"hour": 9, "minute": 36}
